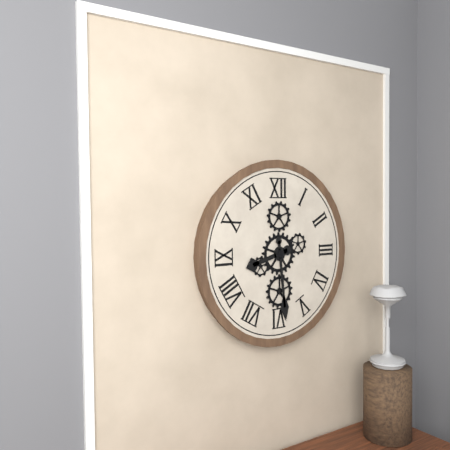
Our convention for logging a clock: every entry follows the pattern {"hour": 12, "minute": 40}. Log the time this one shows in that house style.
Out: {"hour": 8, "minute": 29}
